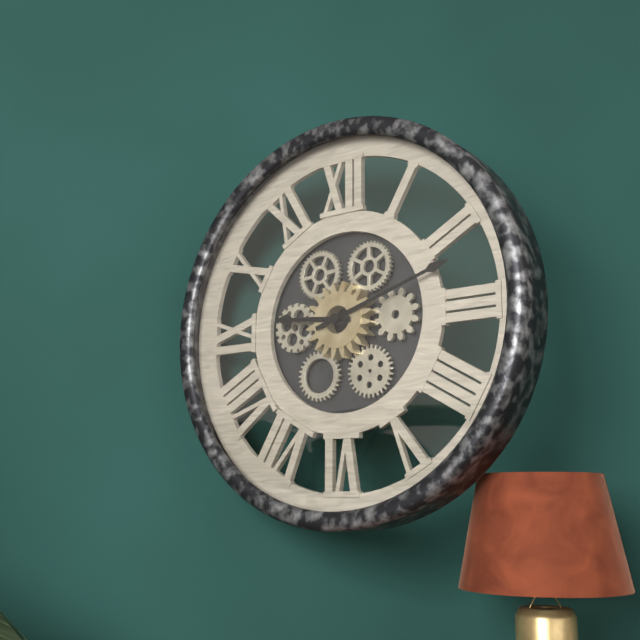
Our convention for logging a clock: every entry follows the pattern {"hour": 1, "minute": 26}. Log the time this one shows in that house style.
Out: {"hour": 9, "minute": 12}
